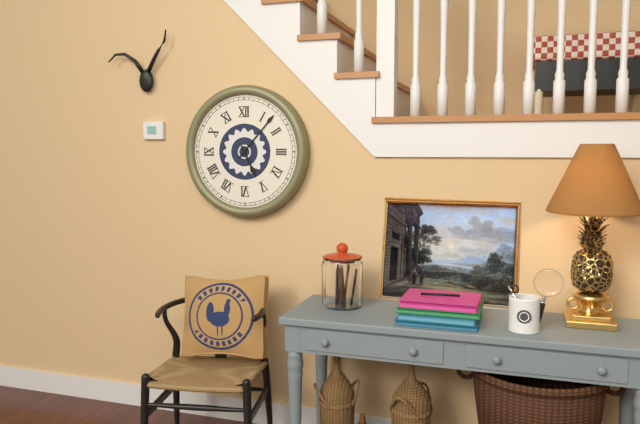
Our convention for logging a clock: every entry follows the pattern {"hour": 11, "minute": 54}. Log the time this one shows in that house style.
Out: {"hour": 5, "minute": 7}
